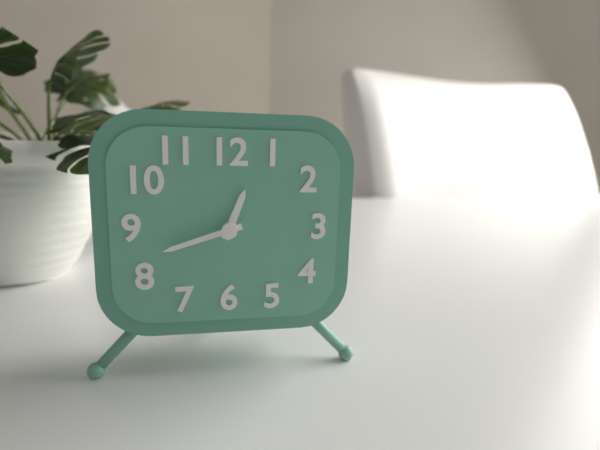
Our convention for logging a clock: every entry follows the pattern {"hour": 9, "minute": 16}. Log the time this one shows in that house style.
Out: {"hour": 12, "minute": 42}
